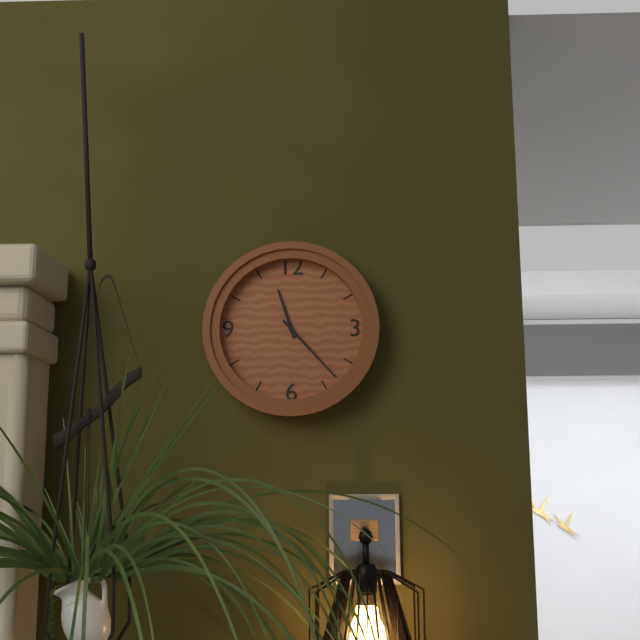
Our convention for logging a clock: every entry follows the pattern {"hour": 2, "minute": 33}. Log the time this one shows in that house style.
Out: {"hour": 11, "minute": 23}
